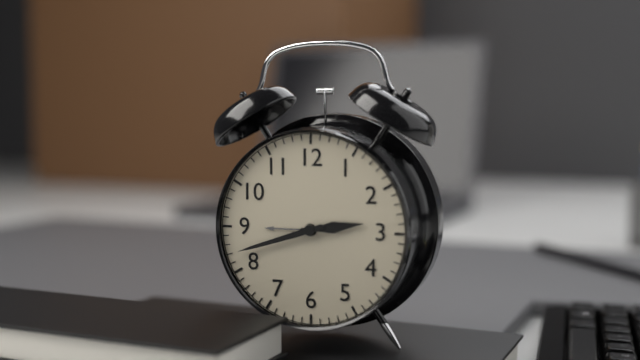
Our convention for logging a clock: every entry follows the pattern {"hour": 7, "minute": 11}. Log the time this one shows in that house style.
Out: {"hour": 2, "minute": 42}
